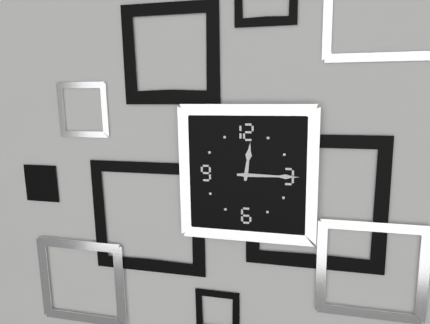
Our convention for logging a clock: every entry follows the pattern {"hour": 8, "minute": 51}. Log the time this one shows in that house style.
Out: {"hour": 12, "minute": 15}
